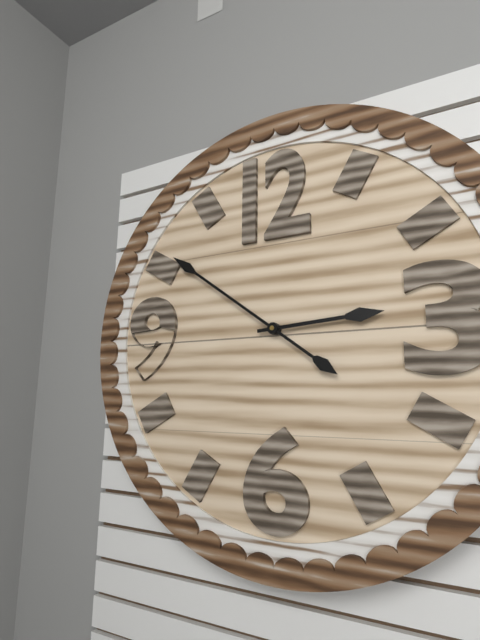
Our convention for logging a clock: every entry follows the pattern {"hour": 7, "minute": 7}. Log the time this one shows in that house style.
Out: {"hour": 2, "minute": 51}
